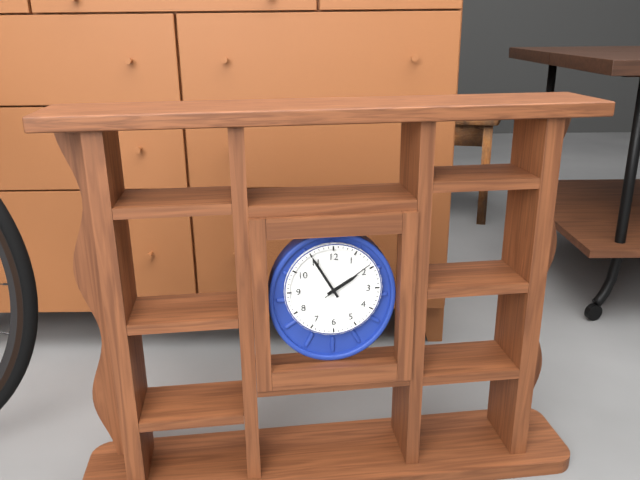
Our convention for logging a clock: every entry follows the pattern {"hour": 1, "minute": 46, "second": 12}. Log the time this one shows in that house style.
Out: {"hour": 1, "minute": 55, "second": 9}
